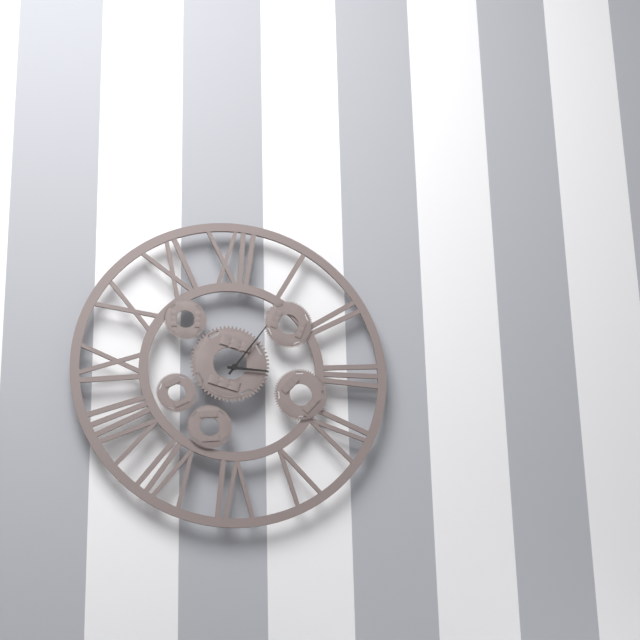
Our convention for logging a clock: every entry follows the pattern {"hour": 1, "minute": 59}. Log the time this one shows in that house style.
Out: {"hour": 3, "minute": 6}
